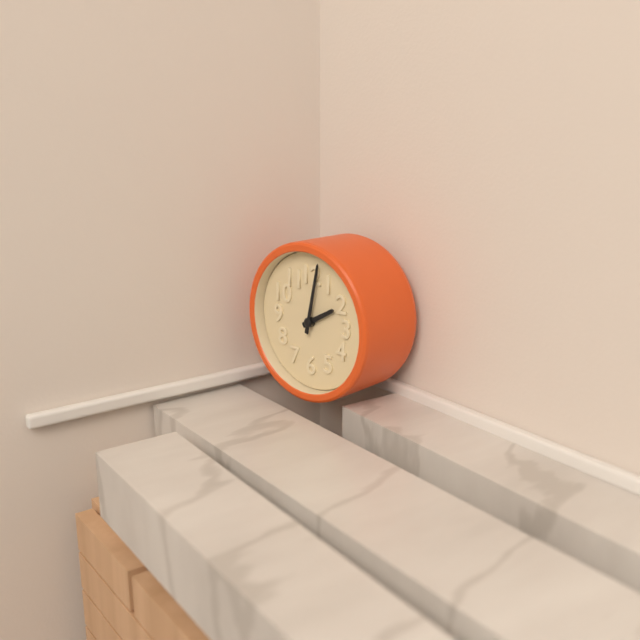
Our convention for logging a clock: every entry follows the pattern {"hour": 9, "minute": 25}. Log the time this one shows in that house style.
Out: {"hour": 2, "minute": 2}
